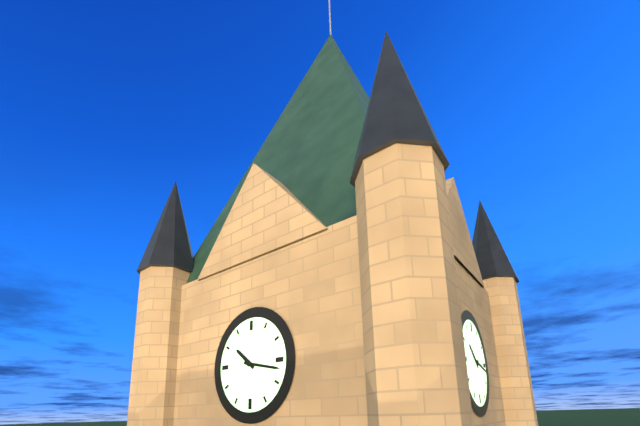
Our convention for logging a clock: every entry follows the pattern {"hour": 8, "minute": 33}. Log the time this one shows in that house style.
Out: {"hour": 10, "minute": 17}
